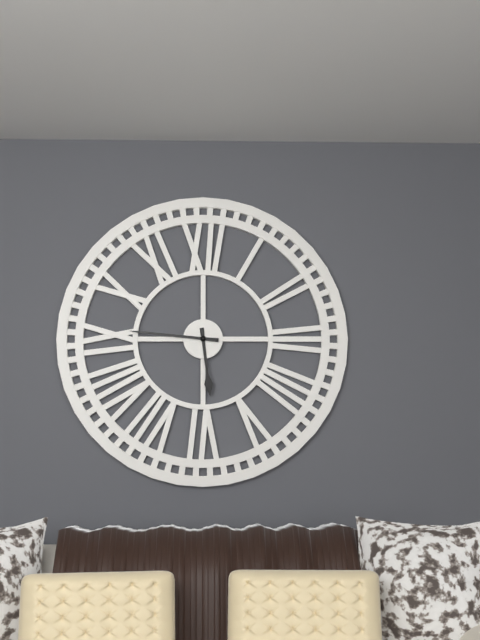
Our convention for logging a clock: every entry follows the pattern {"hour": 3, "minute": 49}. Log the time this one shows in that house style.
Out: {"hour": 5, "minute": 46}
